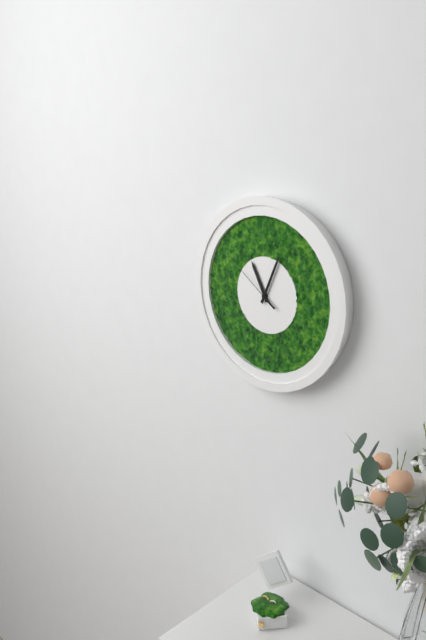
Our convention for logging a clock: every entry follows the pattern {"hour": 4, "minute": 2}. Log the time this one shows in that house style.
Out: {"hour": 11, "minute": 4}
